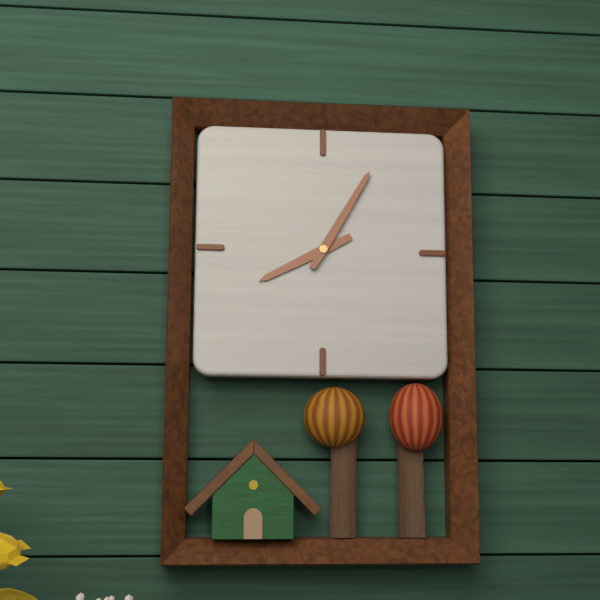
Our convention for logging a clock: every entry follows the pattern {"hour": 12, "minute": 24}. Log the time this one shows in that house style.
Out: {"hour": 8, "minute": 5}
